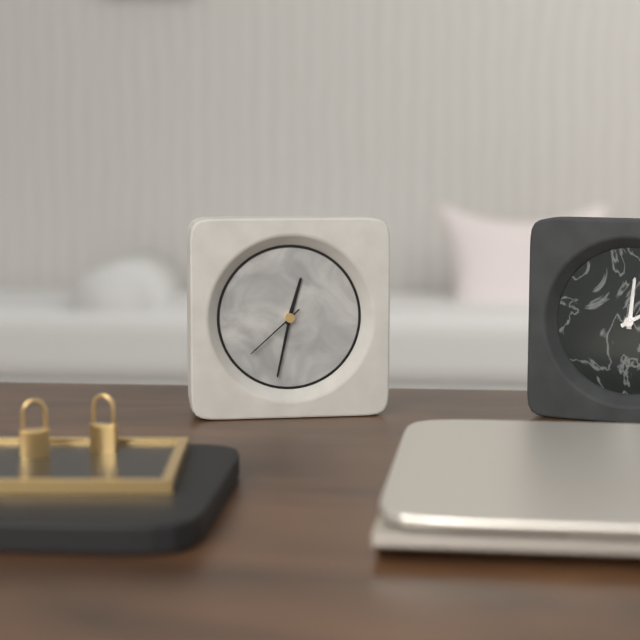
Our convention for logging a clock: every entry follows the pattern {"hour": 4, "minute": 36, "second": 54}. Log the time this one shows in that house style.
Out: {"hour": 12, "minute": 32, "second": 38}
